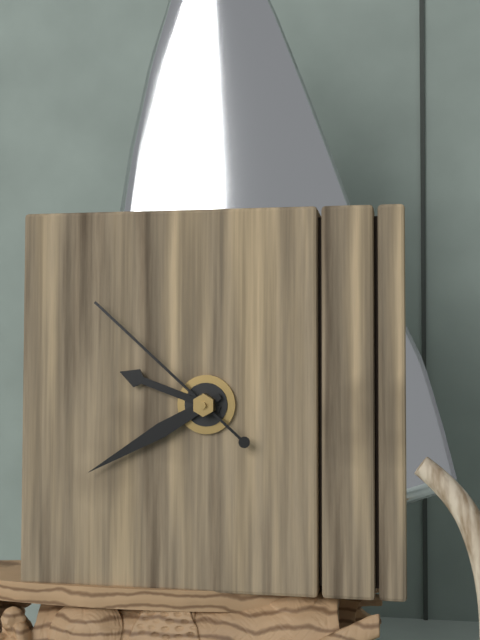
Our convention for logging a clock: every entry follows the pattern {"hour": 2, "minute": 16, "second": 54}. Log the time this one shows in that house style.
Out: {"hour": 9, "minute": 40, "second": 52}
